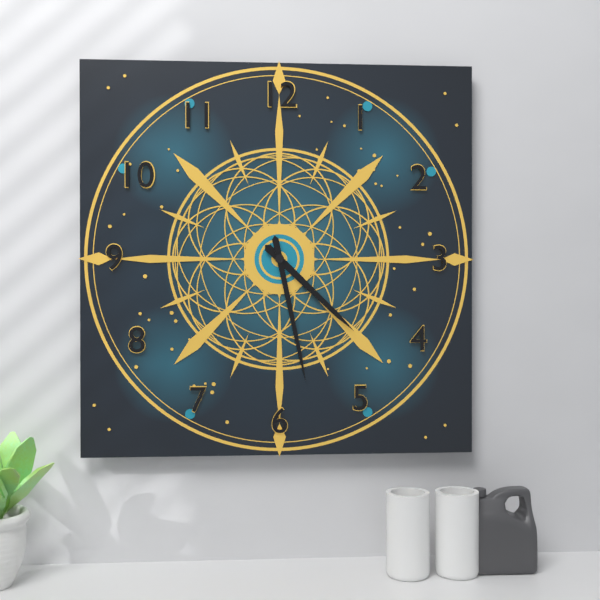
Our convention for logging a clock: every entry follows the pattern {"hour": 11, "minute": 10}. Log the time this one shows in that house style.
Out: {"hour": 4, "minute": 28}
